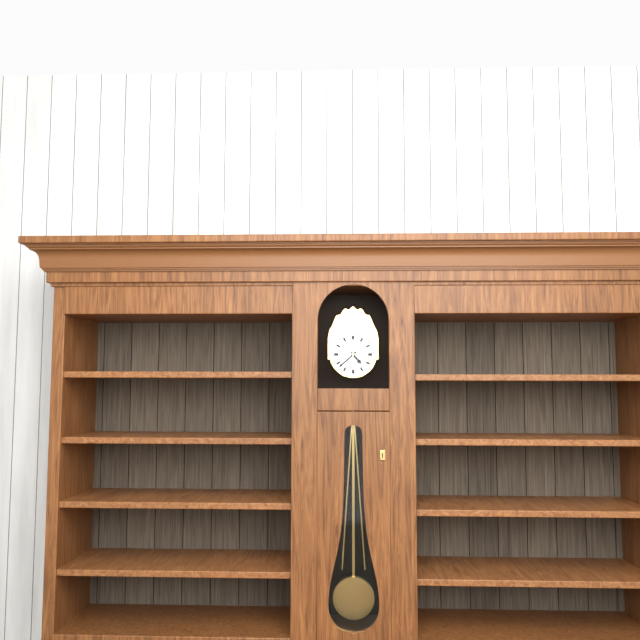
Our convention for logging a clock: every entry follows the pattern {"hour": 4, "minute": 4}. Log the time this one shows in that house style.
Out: {"hour": 4, "minute": 38}
